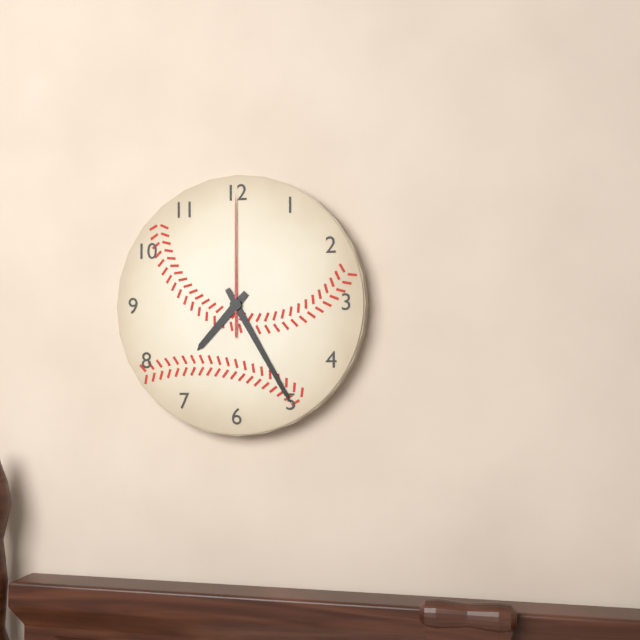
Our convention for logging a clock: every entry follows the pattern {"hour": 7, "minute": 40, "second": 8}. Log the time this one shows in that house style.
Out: {"hour": 7, "minute": 25, "second": 0}
